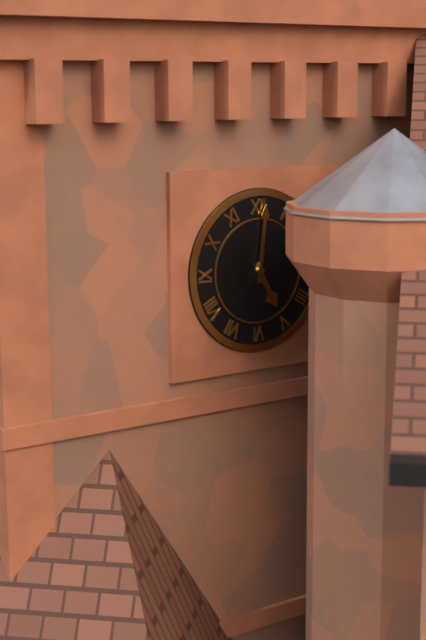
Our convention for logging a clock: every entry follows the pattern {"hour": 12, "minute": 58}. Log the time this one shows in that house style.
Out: {"hour": 5, "minute": 1}
